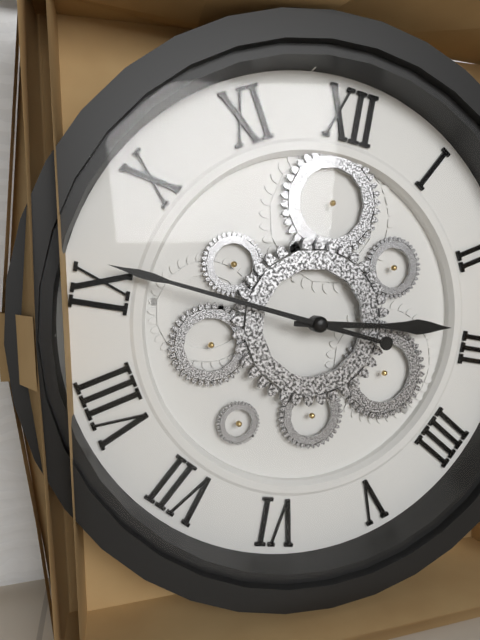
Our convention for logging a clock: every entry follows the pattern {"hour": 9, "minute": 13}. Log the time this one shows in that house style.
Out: {"hour": 2, "minute": 46}
